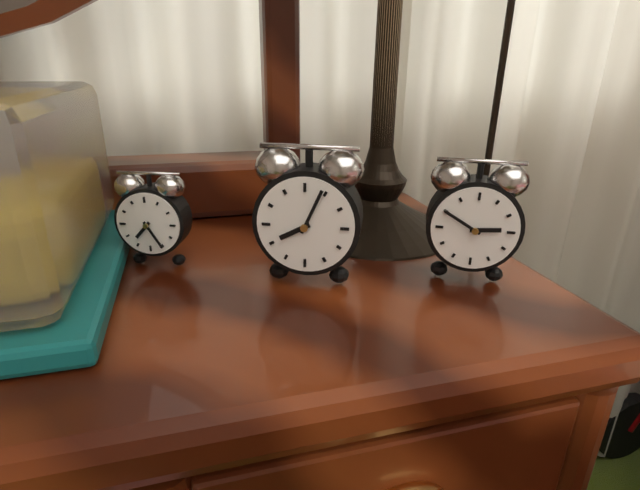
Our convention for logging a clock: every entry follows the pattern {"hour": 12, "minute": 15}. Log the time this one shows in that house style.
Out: {"hour": 8, "minute": 4}
